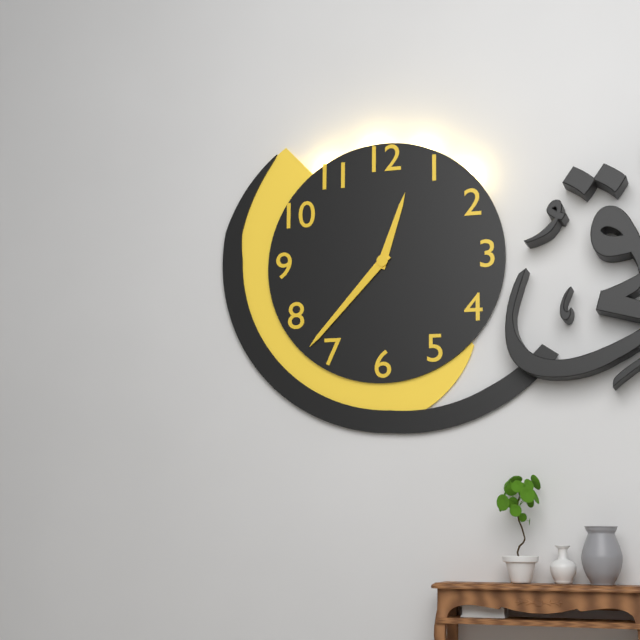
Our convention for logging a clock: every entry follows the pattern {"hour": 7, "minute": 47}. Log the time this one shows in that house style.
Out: {"hour": 12, "minute": 37}
